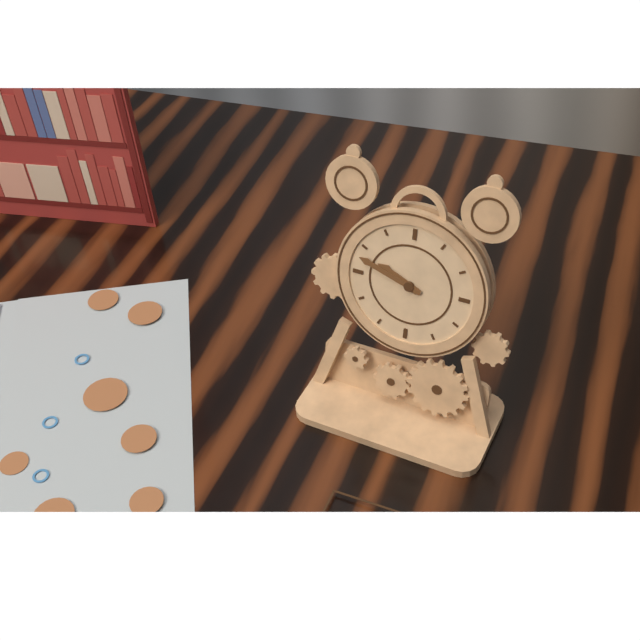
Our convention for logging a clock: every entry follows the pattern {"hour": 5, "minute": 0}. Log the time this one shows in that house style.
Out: {"hour": 9, "minute": 48}
